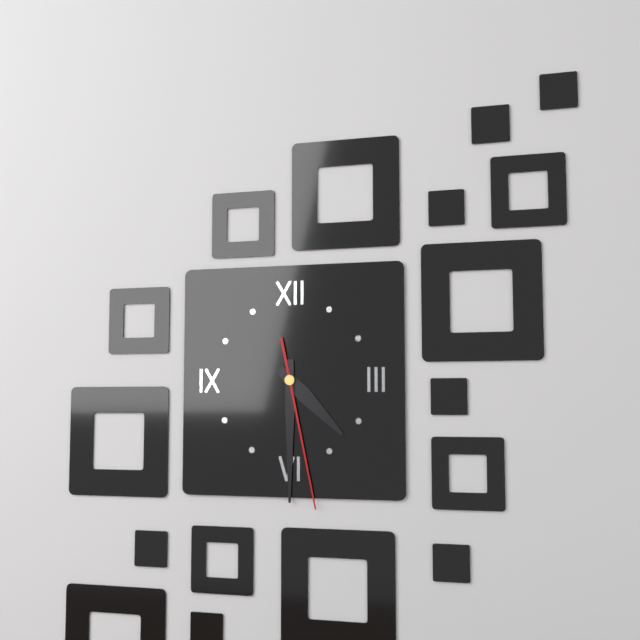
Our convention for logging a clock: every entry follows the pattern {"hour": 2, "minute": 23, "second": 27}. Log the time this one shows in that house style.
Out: {"hour": 4, "minute": 30, "second": 28}
